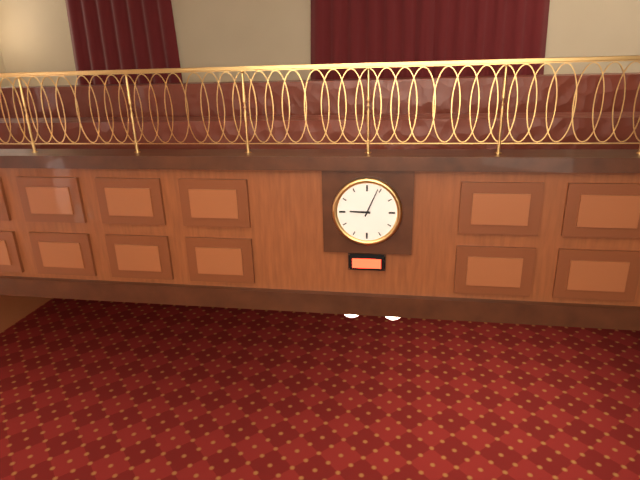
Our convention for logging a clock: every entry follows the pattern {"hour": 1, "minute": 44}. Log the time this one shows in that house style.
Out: {"hour": 9, "minute": 4}
